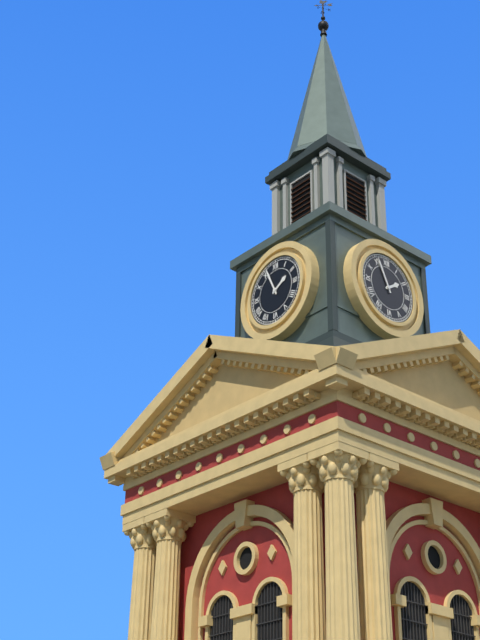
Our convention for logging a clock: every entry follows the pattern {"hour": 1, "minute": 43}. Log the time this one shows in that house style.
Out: {"hour": 1, "minute": 56}
